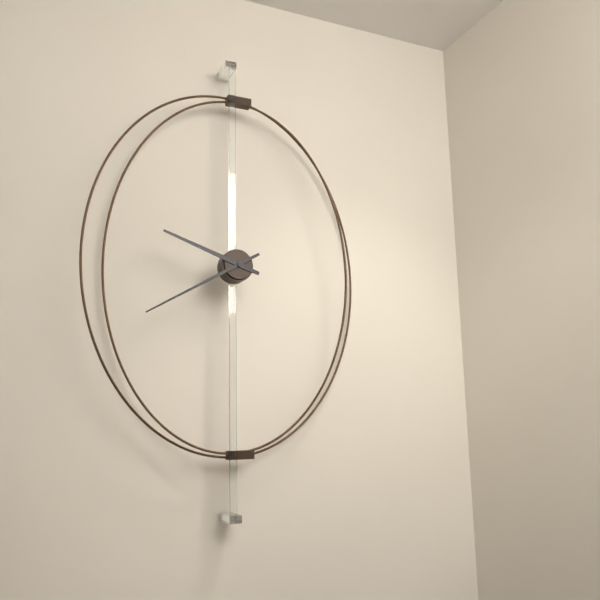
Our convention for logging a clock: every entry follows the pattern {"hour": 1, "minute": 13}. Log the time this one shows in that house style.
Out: {"hour": 9, "minute": 40}
